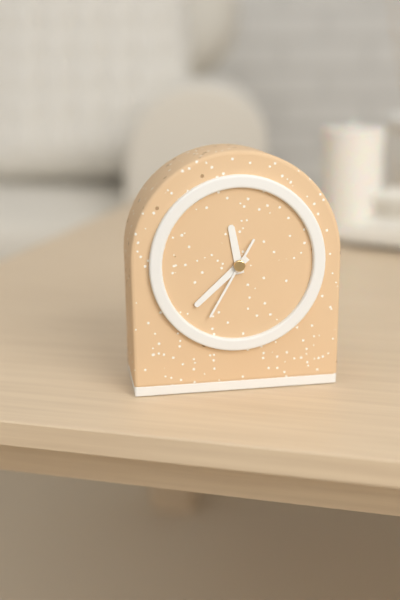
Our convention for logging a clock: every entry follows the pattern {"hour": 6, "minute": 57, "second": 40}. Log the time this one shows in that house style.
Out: {"hour": 11, "minute": 38, "second": 35}
